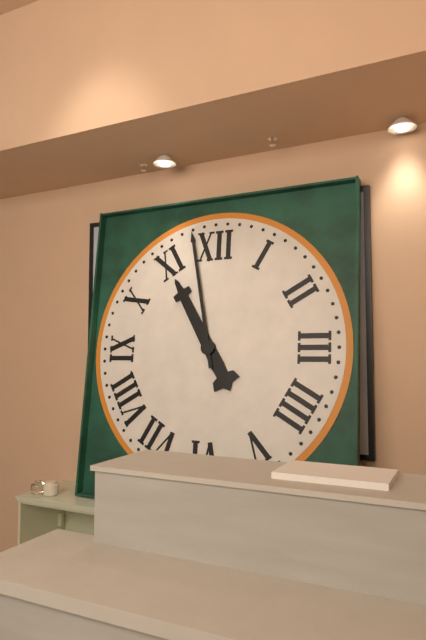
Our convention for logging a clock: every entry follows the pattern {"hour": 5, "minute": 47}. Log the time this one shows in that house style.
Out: {"hour": 10, "minute": 58}
